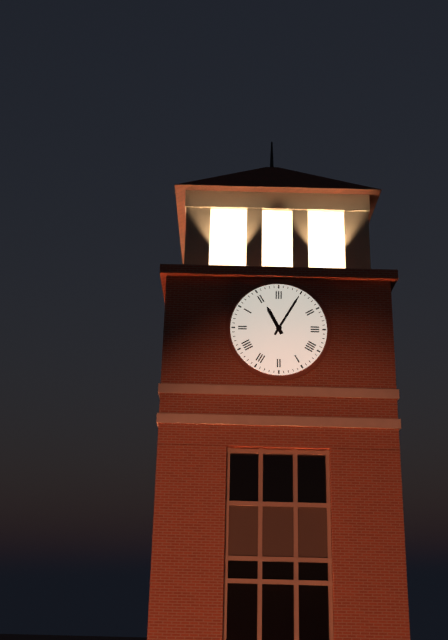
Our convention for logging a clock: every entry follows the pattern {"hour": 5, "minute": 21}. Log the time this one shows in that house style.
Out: {"hour": 11, "minute": 5}
